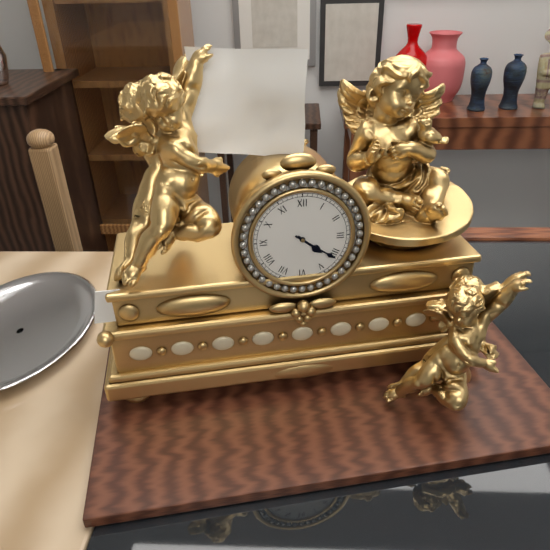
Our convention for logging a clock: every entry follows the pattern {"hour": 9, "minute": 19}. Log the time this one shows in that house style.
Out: {"hour": 4, "minute": 21}
